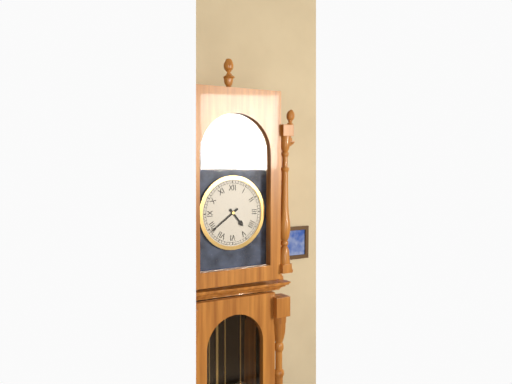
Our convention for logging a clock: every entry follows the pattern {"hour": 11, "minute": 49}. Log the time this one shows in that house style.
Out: {"hour": 4, "minute": 39}
